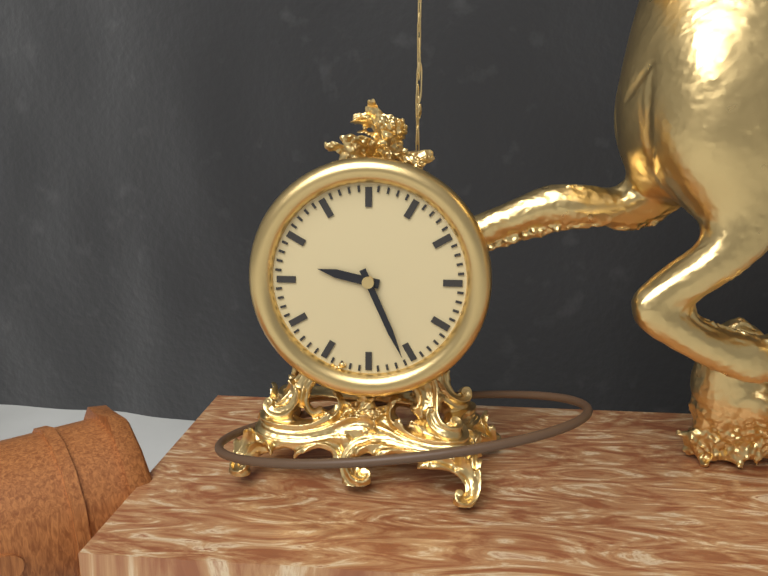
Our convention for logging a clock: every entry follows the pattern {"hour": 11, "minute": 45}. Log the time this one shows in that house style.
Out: {"hour": 9, "minute": 26}
